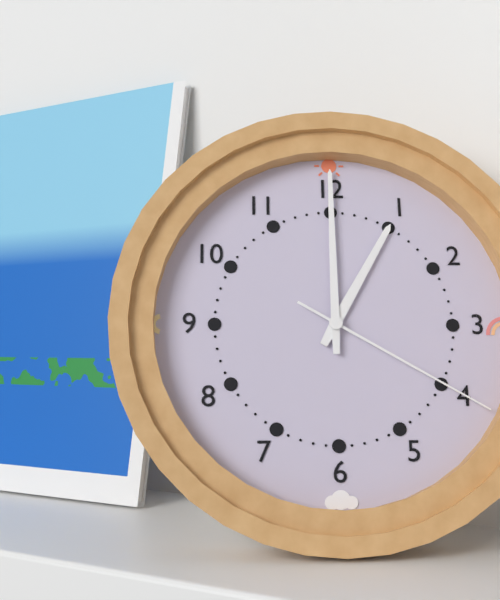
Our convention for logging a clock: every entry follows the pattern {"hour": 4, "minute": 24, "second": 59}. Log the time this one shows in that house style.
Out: {"hour": 1, "minute": 0, "second": 20}
